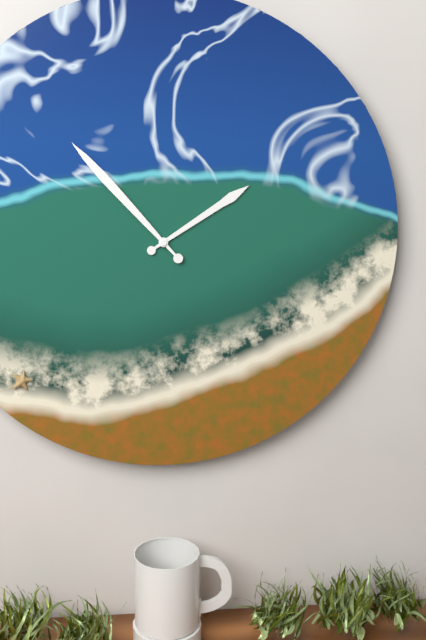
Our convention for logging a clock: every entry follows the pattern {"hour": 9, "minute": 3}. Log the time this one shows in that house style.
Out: {"hour": 1, "minute": 53}
